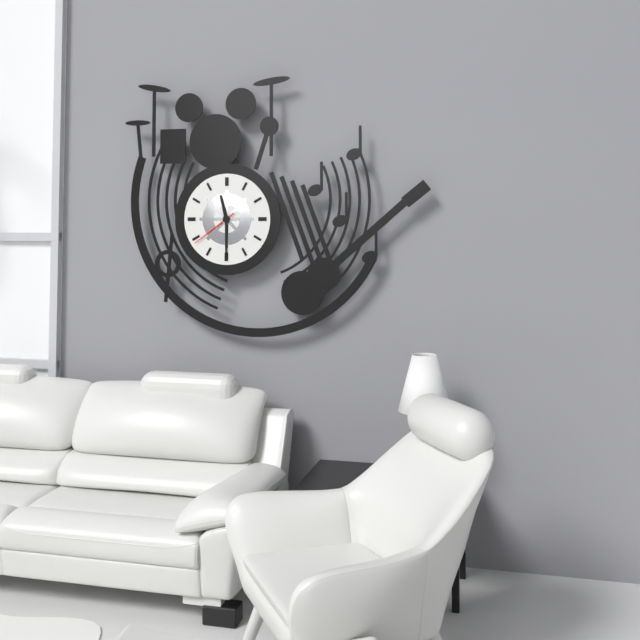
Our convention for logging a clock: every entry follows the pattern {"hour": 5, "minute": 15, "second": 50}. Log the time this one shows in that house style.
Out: {"hour": 11, "minute": 30, "second": 39}
